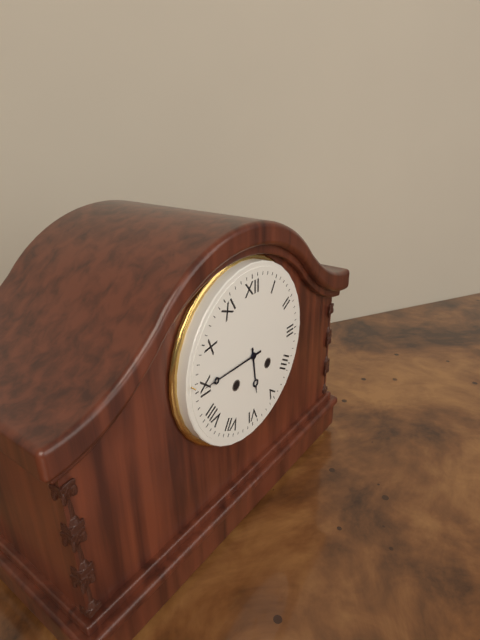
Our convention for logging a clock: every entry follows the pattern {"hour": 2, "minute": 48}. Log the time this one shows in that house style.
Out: {"hour": 5, "minute": 45}
